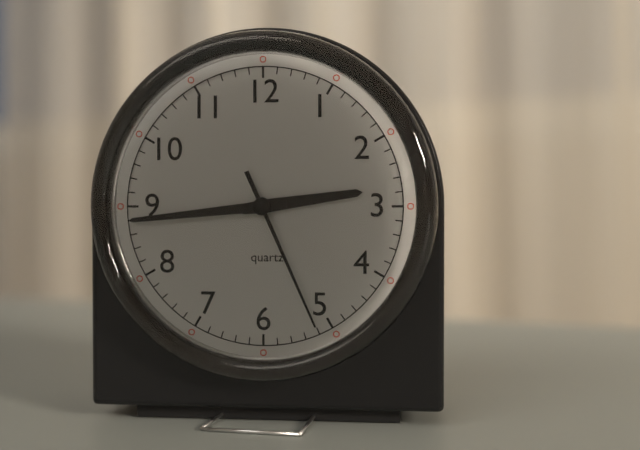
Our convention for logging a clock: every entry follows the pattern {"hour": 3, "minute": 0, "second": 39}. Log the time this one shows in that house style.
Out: {"hour": 2, "minute": 44, "second": 26}
